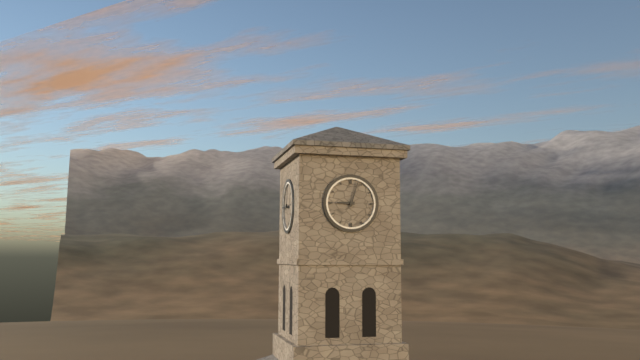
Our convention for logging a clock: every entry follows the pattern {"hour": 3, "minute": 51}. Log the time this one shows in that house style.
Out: {"hour": 9, "minute": 3}
